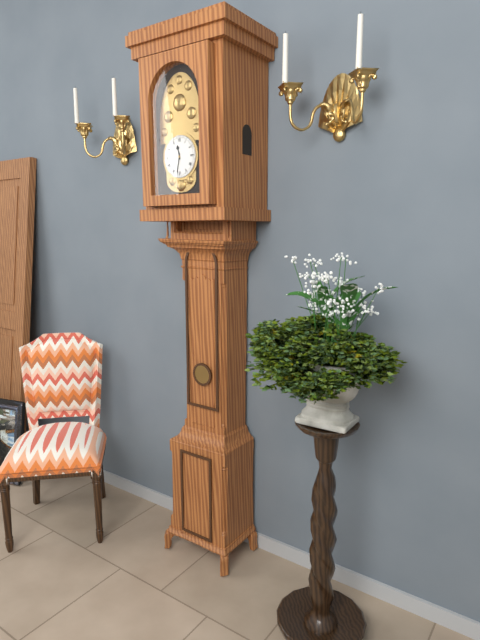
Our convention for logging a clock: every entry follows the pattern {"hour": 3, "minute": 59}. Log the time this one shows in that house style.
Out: {"hour": 11, "minute": 32}
